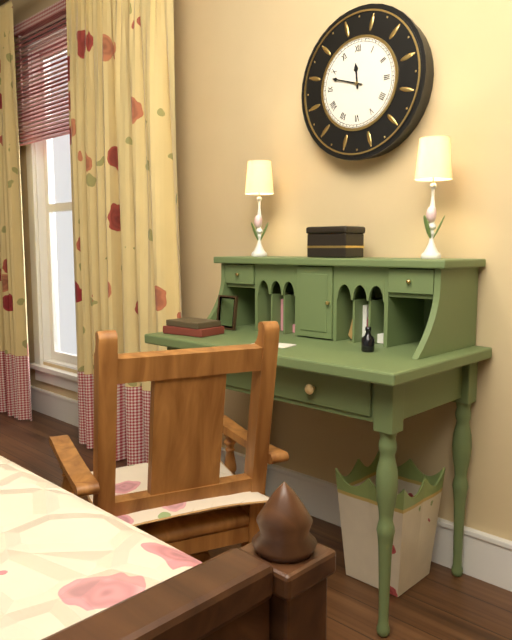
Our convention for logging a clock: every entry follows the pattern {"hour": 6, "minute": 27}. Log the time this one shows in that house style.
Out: {"hour": 11, "minute": 48}
